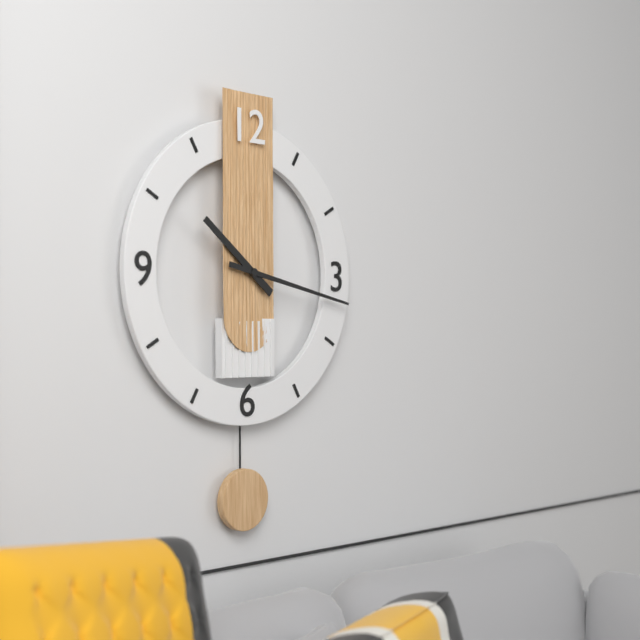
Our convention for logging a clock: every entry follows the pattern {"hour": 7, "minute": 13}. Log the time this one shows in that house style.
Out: {"hour": 10, "minute": 17}
